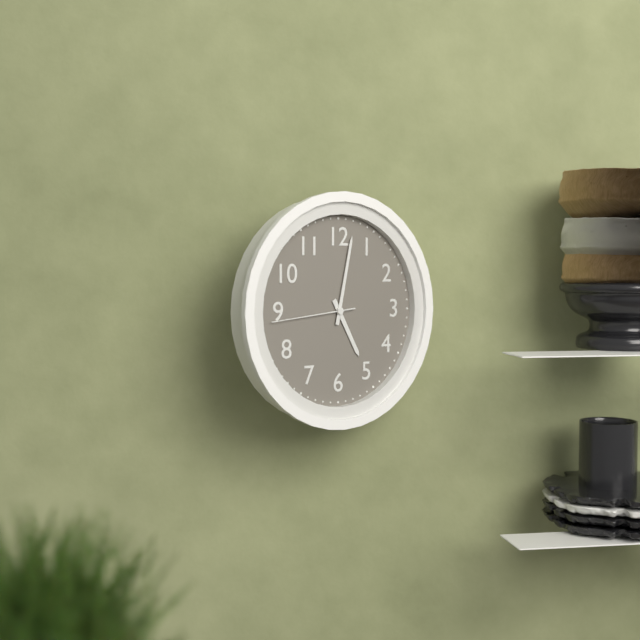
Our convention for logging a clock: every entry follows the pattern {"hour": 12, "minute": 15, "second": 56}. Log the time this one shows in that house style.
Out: {"hour": 5, "minute": 2, "second": 44}
